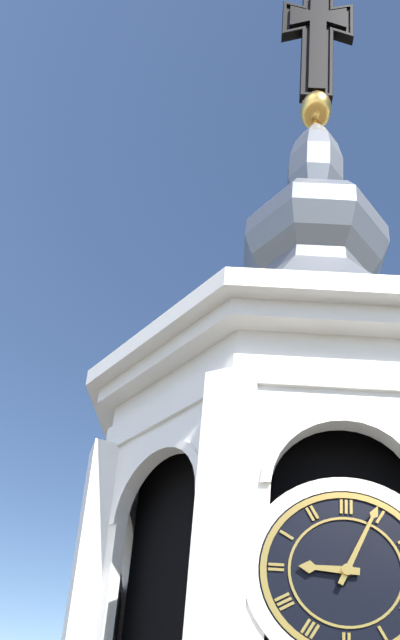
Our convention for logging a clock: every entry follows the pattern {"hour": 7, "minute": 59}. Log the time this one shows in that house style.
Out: {"hour": 9, "minute": 4}
